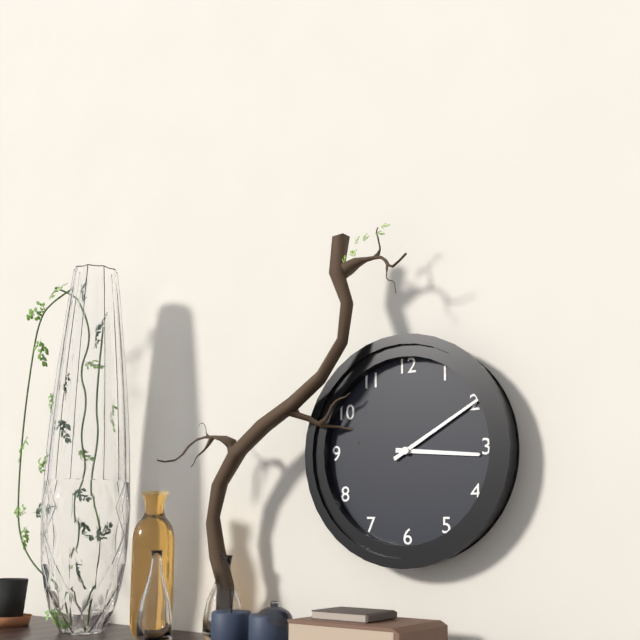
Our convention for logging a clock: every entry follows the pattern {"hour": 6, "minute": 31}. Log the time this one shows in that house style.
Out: {"hour": 3, "minute": 10}
